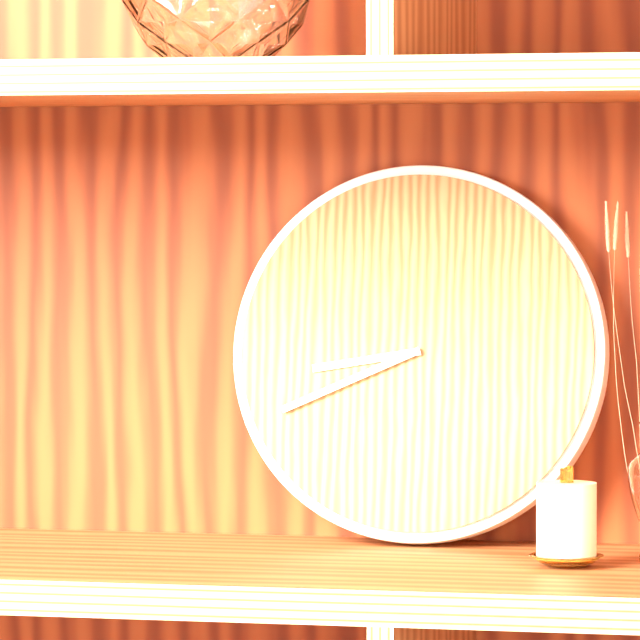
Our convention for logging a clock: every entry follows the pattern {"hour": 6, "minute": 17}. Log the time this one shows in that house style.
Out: {"hour": 8, "minute": 41}
